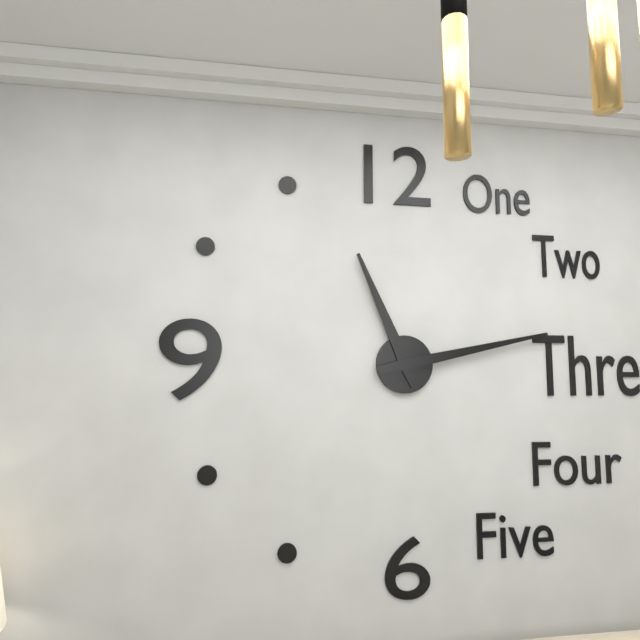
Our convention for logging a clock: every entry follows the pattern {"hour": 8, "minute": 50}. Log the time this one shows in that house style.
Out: {"hour": 11, "minute": 13}
